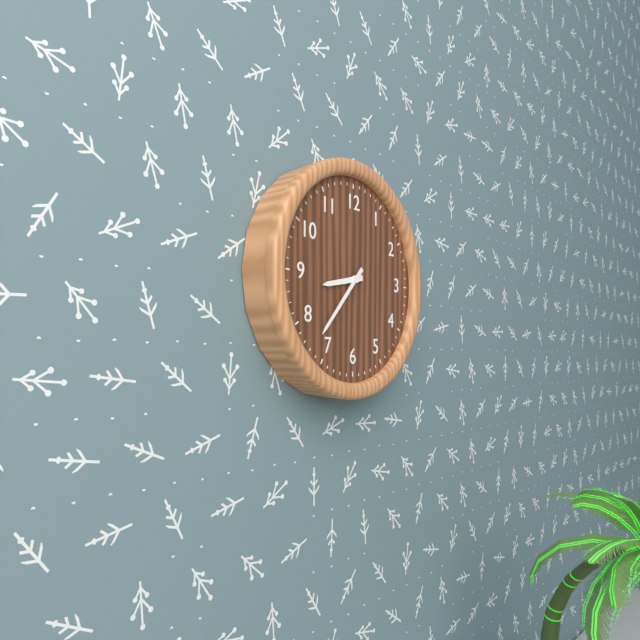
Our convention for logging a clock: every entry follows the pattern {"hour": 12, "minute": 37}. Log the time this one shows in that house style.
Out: {"hour": 8, "minute": 37}
